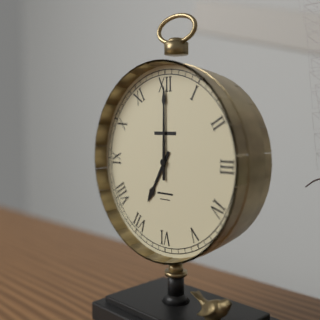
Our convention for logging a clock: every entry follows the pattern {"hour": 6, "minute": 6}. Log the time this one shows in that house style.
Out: {"hour": 7, "minute": 0}
